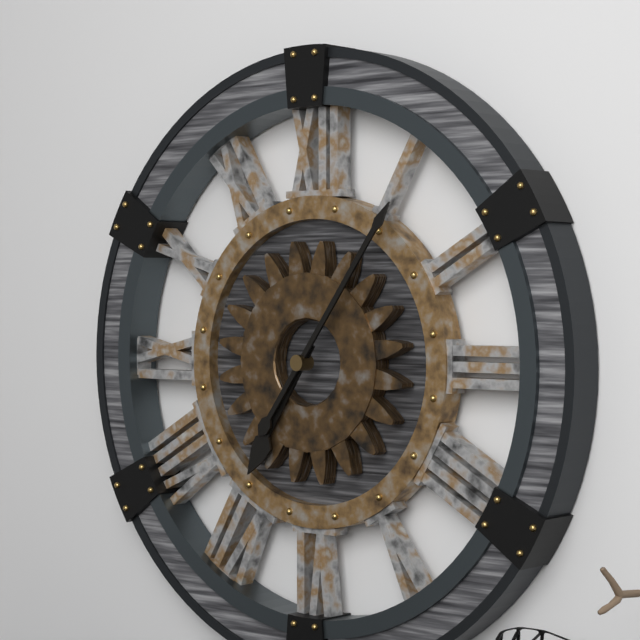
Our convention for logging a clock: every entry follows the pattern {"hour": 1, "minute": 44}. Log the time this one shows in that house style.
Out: {"hour": 7, "minute": 6}
